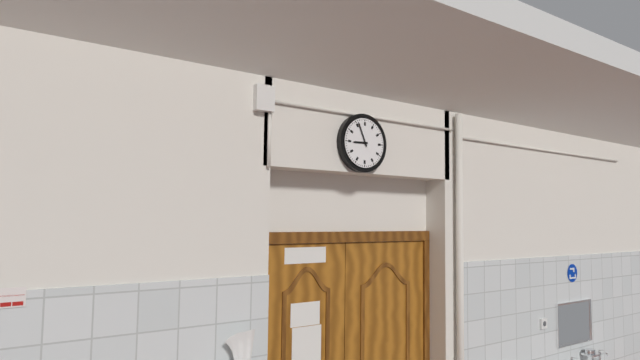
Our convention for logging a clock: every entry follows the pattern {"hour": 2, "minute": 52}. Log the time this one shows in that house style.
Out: {"hour": 8, "minute": 56}
